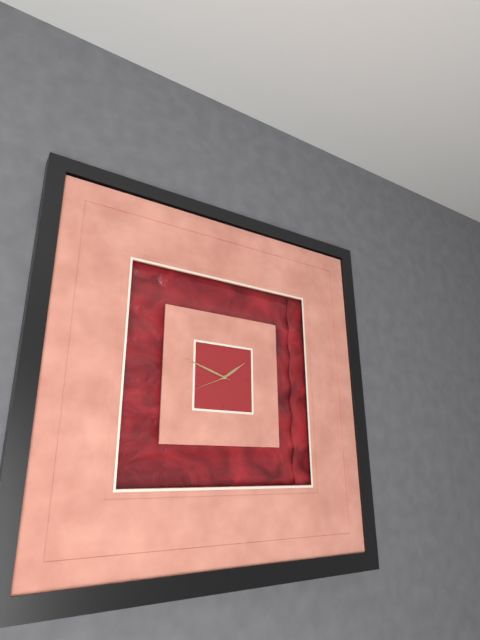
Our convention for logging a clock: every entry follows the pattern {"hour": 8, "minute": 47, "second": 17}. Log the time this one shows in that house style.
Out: {"hour": 1, "minute": 48, "second": 41}
